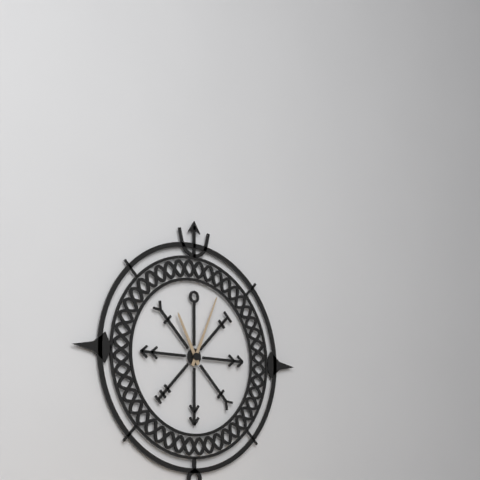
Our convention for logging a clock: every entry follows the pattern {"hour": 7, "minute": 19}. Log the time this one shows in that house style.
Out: {"hour": 11, "minute": 4}
